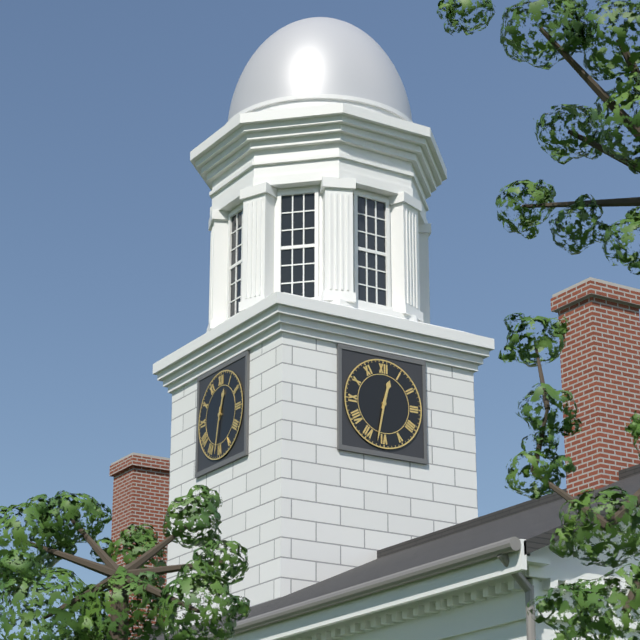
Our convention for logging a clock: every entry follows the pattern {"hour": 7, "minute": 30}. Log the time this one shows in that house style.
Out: {"hour": 12, "minute": 32}
